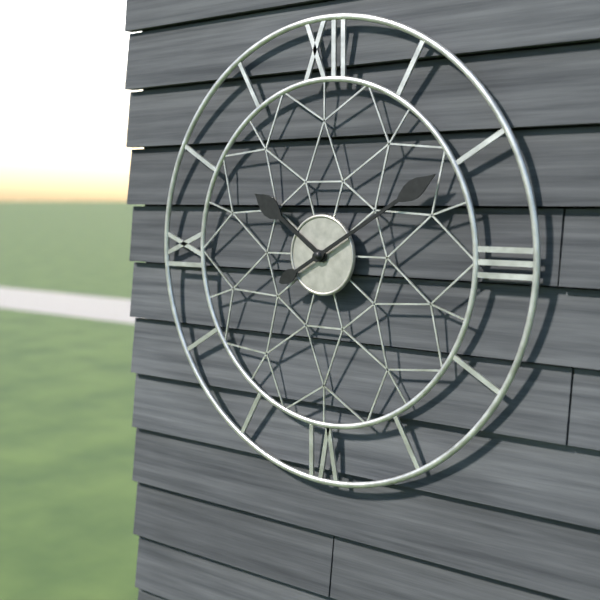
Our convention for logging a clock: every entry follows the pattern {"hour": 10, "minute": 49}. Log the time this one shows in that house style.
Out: {"hour": 10, "minute": 10}
